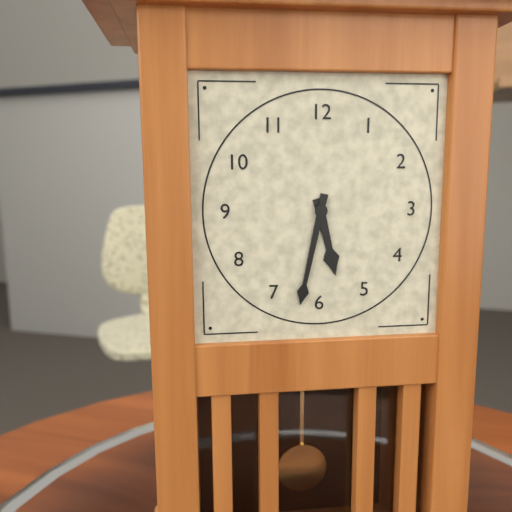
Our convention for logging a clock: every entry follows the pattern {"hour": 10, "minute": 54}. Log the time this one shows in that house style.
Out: {"hour": 5, "minute": 32}
